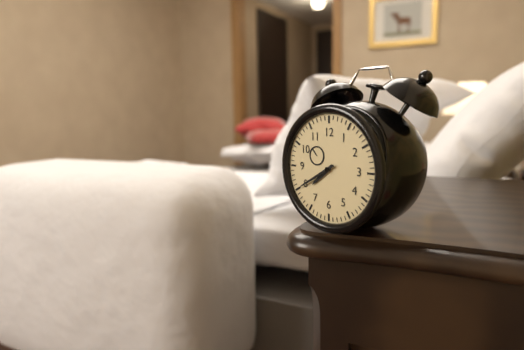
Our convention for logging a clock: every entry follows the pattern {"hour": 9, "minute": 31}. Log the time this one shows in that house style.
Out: {"hour": 7, "minute": 40}
